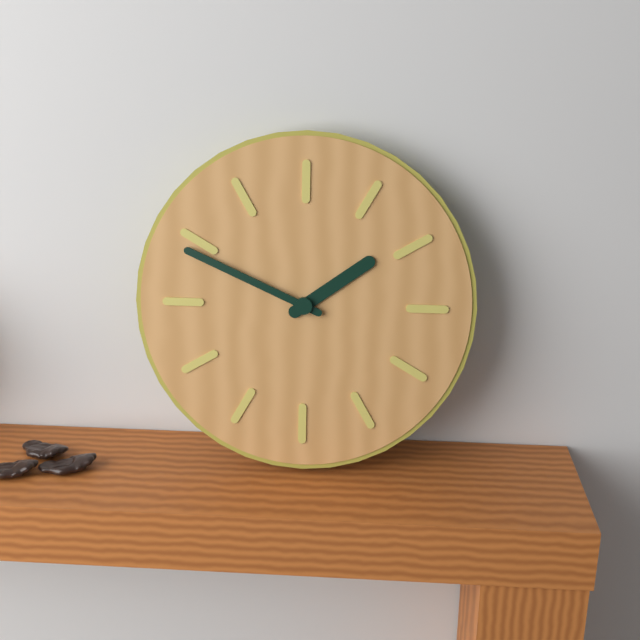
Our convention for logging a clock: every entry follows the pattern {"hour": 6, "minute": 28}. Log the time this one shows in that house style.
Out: {"hour": 1, "minute": 49}
